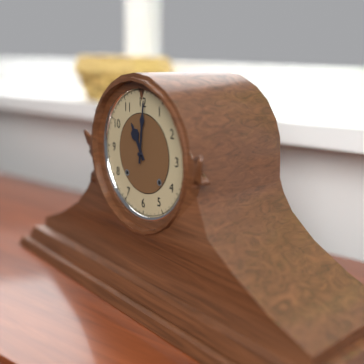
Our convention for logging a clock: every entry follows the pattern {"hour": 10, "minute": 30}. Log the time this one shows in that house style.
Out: {"hour": 11, "minute": 1}
